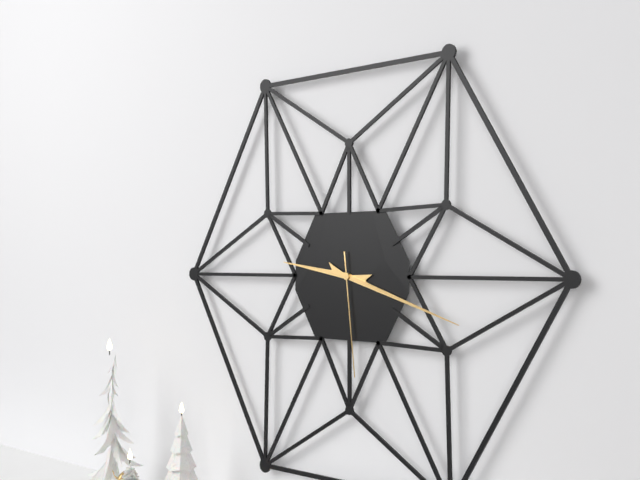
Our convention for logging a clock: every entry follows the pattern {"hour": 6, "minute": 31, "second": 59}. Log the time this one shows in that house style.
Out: {"hour": 9, "minute": 18, "second": 29}
